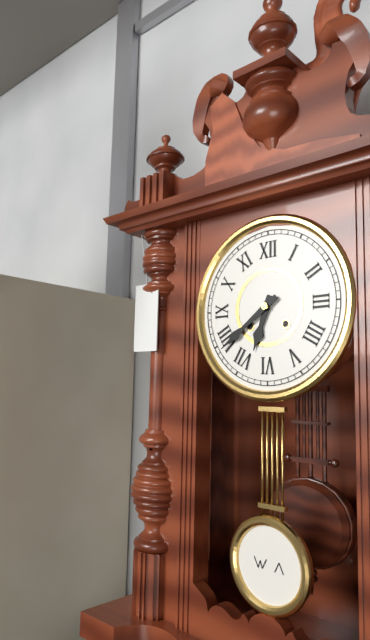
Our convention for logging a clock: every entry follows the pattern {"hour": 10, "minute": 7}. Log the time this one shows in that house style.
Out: {"hour": 6, "minute": 39}
